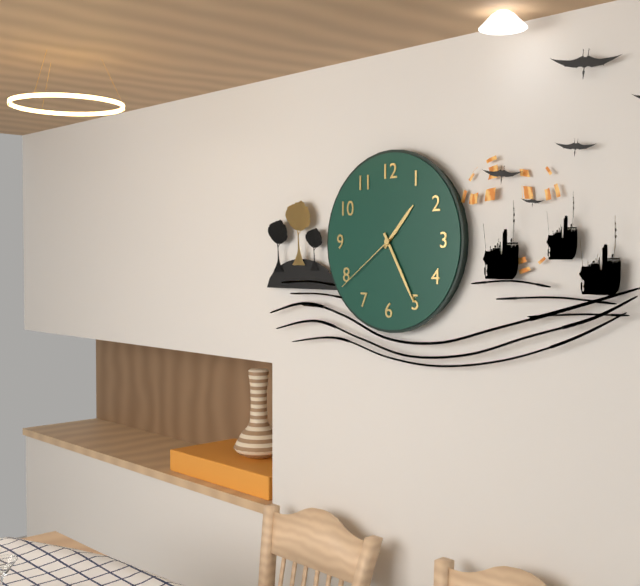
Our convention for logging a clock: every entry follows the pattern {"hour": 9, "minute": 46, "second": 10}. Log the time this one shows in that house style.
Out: {"hour": 1, "minute": 25, "second": 39}
